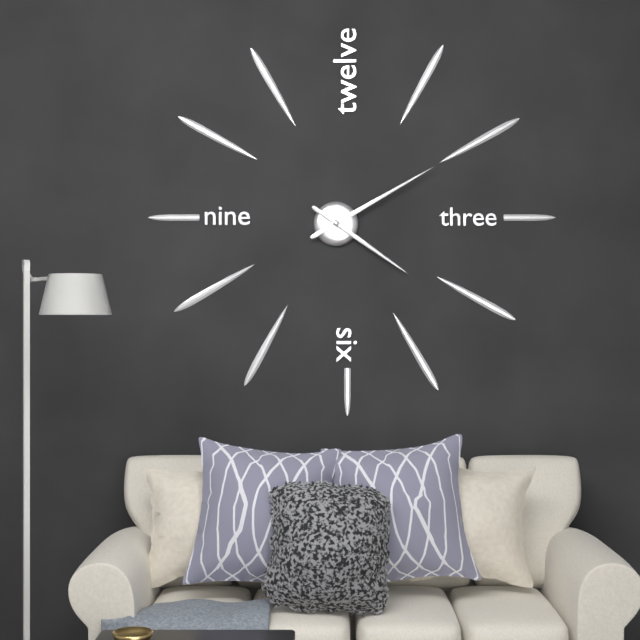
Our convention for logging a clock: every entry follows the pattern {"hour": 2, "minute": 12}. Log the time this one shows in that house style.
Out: {"hour": 4, "minute": 10}
